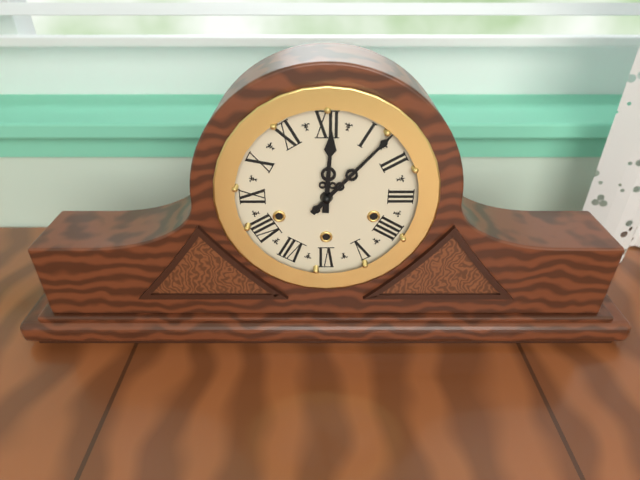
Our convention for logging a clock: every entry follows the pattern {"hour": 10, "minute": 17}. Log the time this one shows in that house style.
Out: {"hour": 12, "minute": 7}
